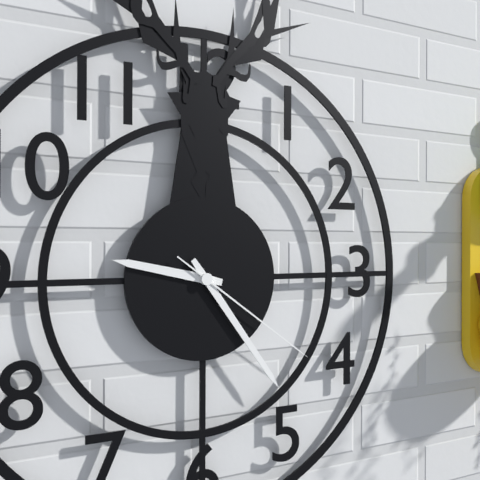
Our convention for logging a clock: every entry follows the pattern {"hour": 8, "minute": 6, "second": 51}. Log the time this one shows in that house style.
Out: {"hour": 9, "minute": 24, "second": 21}
